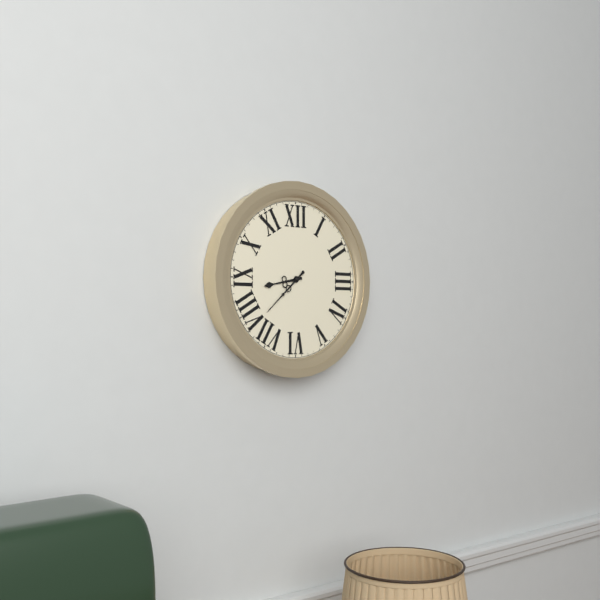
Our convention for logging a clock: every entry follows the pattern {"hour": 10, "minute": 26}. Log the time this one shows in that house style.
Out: {"hour": 8, "minute": 38}
